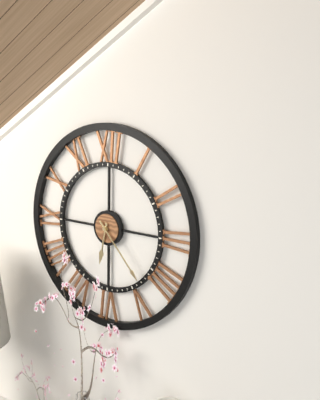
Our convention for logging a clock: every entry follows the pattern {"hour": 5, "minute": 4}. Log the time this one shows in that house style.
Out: {"hour": 6, "minute": 23}
